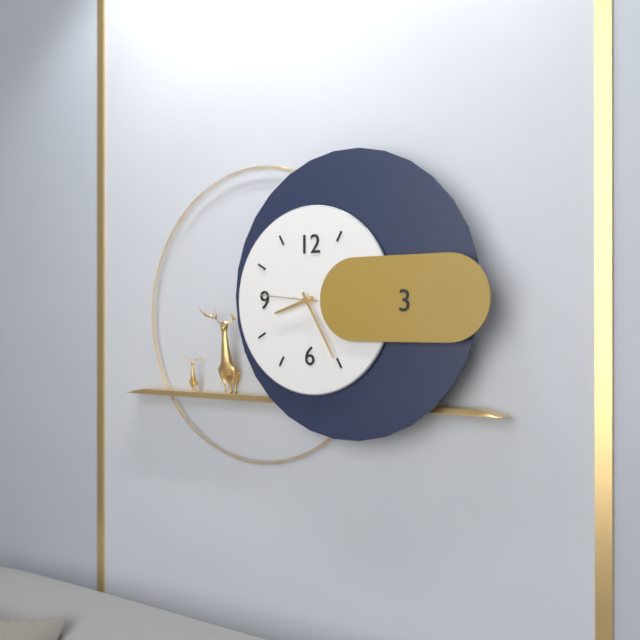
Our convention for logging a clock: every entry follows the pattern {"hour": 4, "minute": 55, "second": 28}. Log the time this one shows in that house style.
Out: {"hour": 8, "minute": 25, "second": 46}
